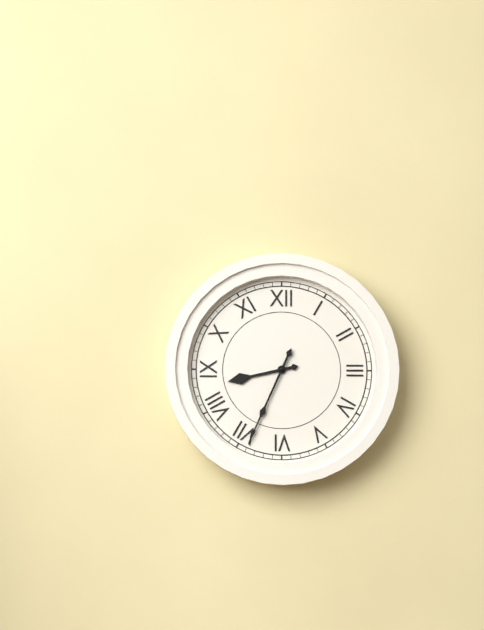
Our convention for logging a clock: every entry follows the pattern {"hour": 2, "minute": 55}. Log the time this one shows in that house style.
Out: {"hour": 8, "minute": 34}
